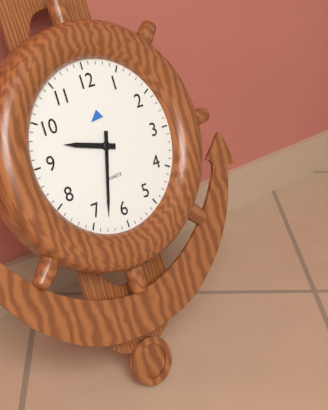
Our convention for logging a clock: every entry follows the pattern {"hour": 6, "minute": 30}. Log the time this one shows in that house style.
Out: {"hour": 9, "minute": 33}
